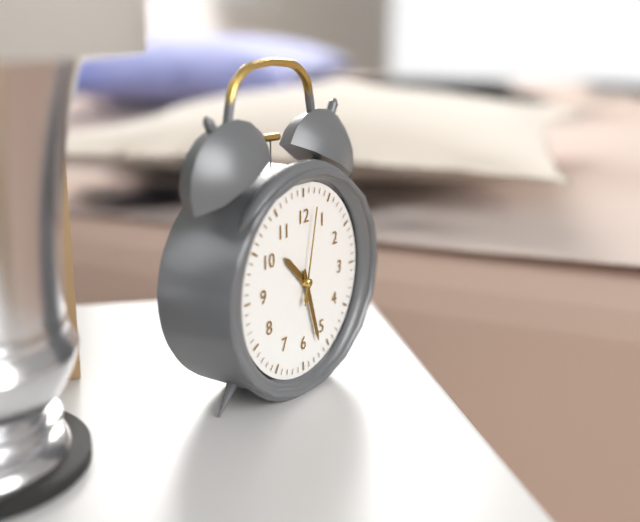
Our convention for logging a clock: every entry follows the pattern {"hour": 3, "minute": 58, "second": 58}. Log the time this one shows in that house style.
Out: {"hour": 10, "minute": 27, "second": 2}
